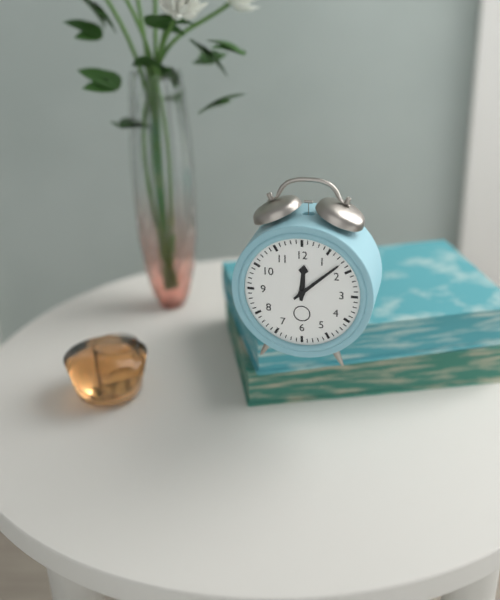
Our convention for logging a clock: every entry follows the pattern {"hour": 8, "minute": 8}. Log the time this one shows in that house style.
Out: {"hour": 12, "minute": 8}
